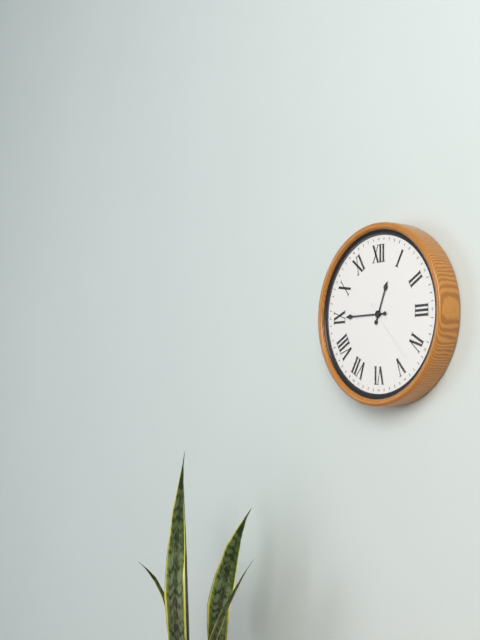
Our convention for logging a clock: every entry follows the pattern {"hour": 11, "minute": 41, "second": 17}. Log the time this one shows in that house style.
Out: {"hour": 12, "minute": 45, "second": 23}
